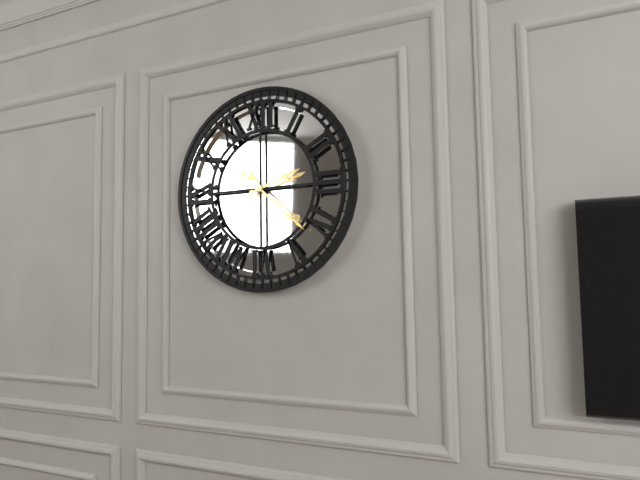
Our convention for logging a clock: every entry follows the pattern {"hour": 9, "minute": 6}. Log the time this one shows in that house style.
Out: {"hour": 2, "minute": 22}
